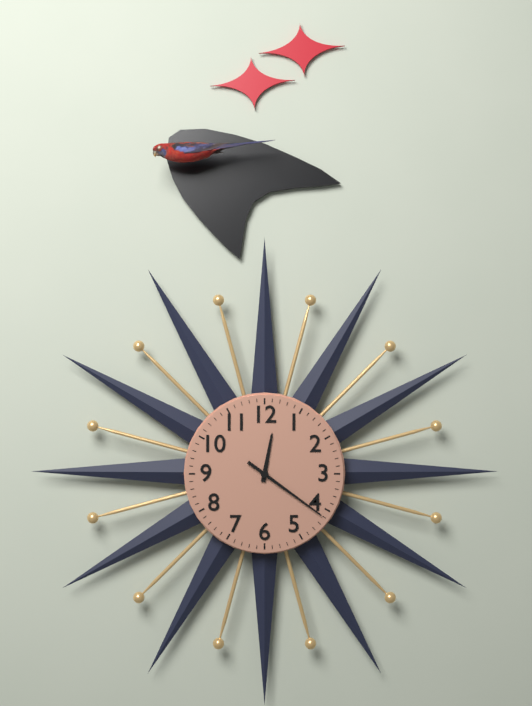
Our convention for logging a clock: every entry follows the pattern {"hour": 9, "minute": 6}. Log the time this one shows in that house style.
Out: {"hour": 12, "minute": 21}
